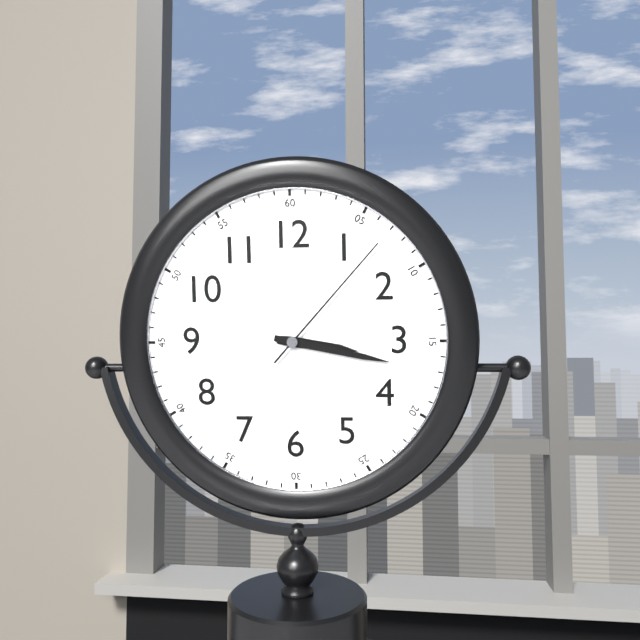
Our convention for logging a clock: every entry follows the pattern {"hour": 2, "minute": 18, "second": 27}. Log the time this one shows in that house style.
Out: {"hour": 3, "minute": 17, "second": 7}
